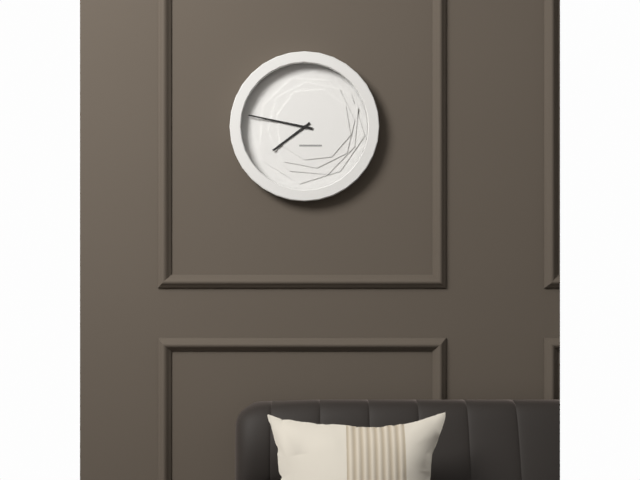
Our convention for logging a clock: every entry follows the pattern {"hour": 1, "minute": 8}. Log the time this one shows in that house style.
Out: {"hour": 7, "minute": 47}
